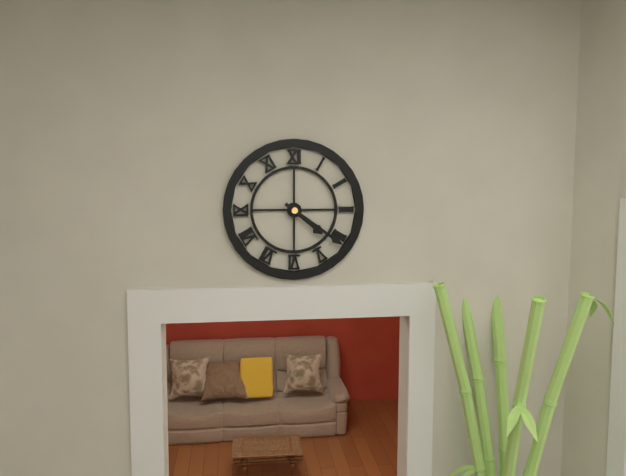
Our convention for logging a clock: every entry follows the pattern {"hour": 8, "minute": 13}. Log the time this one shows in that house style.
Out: {"hour": 4, "minute": 21}
